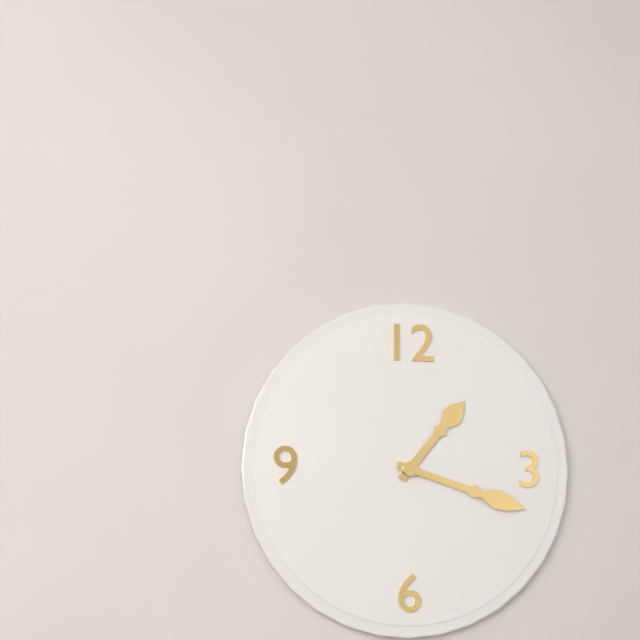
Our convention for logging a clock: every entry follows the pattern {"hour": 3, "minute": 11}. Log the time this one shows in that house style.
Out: {"hour": 1, "minute": 18}
